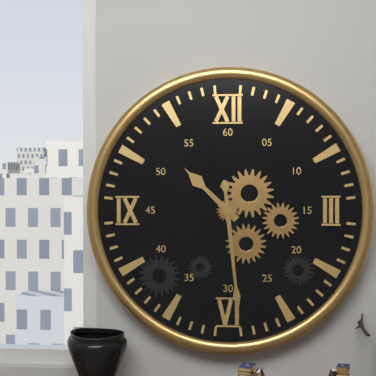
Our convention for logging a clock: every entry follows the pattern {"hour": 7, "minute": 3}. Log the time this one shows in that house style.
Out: {"hour": 10, "minute": 29}
